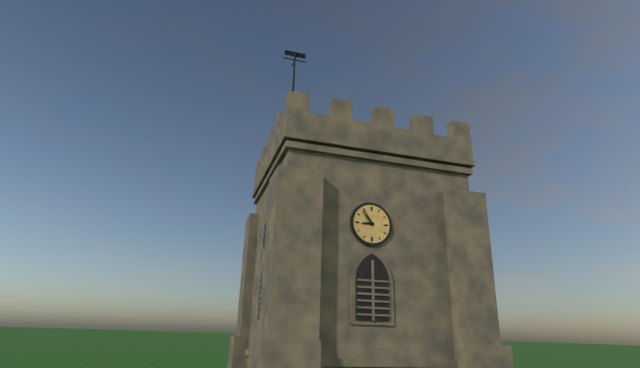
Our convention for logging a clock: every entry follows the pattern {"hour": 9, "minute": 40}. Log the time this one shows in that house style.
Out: {"hour": 8, "minute": 54}
